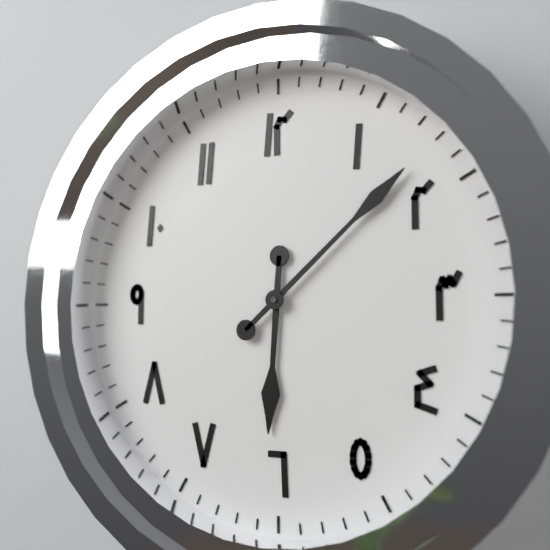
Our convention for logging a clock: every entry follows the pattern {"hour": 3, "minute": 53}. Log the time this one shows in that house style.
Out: {"hour": 6, "minute": 8}
